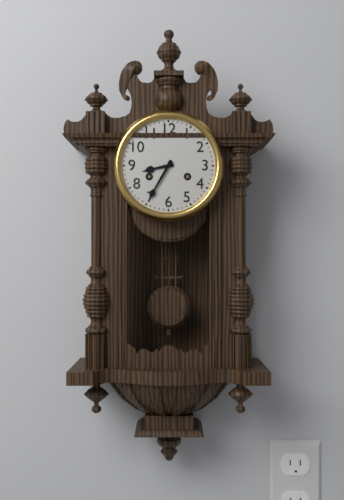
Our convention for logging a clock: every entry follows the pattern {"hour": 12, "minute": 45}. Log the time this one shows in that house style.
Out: {"hour": 8, "minute": 35}
